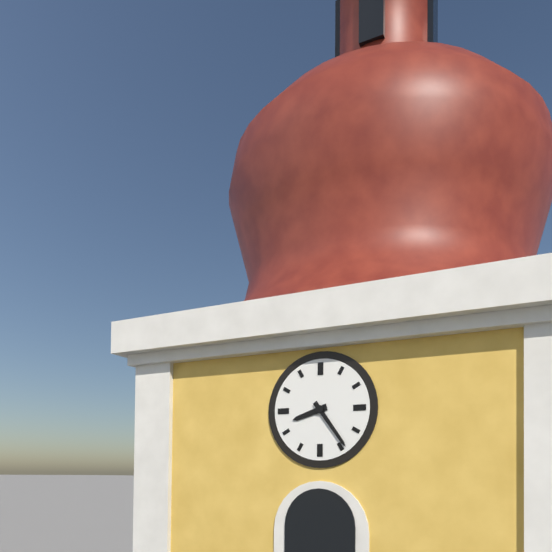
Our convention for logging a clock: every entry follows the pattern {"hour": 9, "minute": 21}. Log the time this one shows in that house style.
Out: {"hour": 8, "minute": 24}
